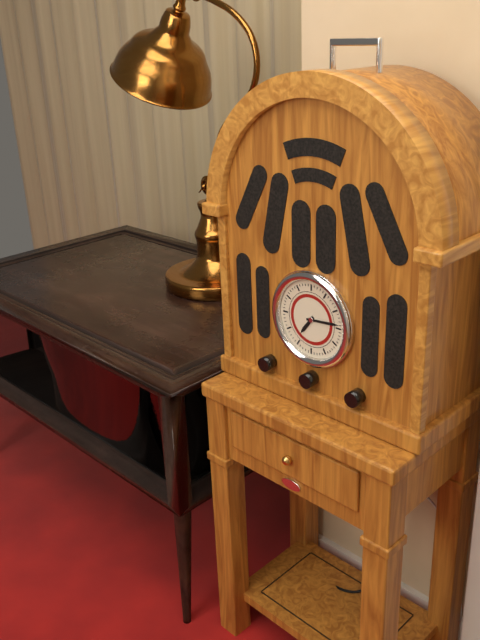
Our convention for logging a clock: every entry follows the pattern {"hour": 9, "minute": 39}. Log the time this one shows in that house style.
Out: {"hour": 7, "minute": 14}
